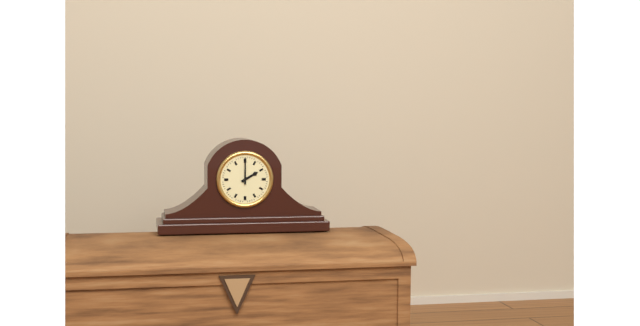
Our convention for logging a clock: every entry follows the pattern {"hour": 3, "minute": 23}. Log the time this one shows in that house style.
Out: {"hour": 2, "minute": 0}
